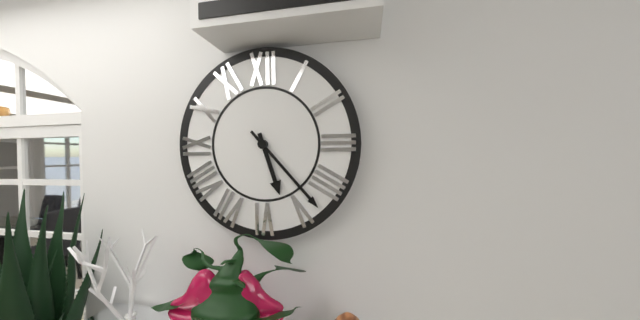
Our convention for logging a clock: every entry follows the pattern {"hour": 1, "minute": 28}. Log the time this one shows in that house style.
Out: {"hour": 5, "minute": 23}
